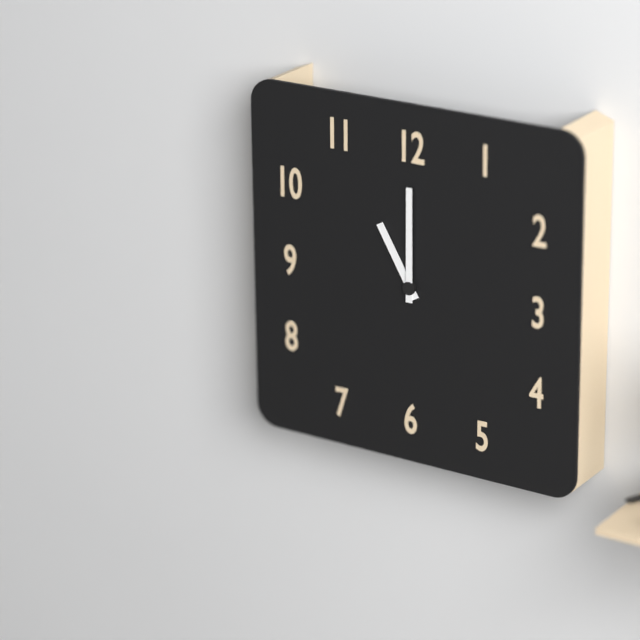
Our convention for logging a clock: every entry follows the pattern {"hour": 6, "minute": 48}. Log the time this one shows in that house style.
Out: {"hour": 11, "minute": 0}
